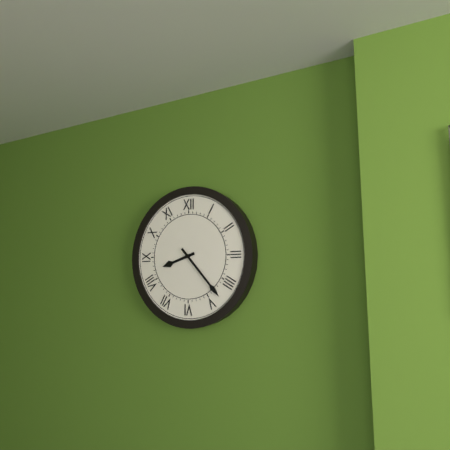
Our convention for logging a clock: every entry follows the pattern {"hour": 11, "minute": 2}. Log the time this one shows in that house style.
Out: {"hour": 8, "minute": 23}
